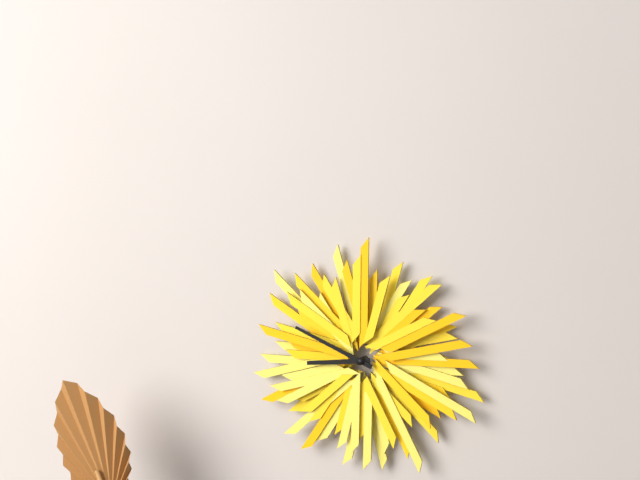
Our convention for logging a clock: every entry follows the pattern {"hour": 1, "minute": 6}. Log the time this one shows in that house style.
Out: {"hour": 8, "minute": 49}
